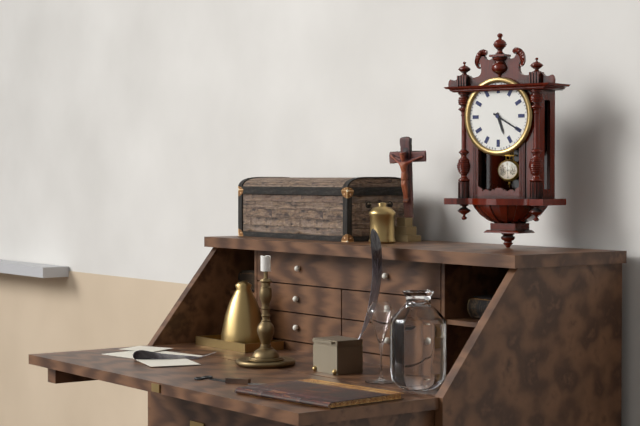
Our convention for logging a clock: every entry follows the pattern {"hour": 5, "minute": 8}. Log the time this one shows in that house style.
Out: {"hour": 5, "minute": 20}
